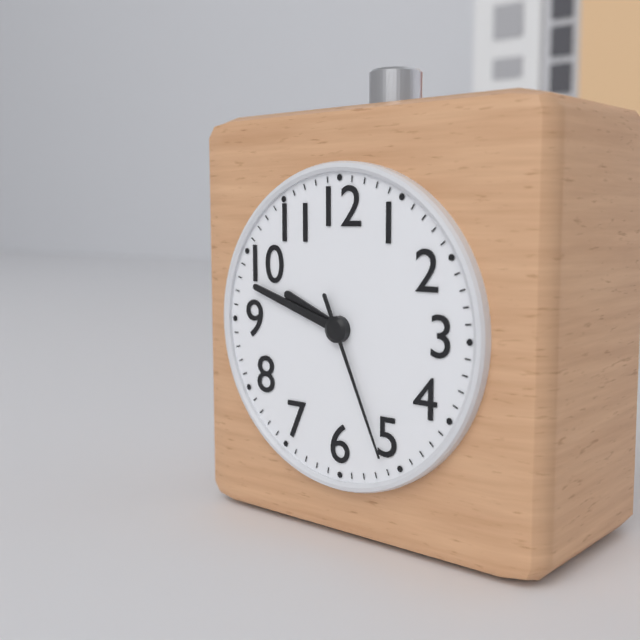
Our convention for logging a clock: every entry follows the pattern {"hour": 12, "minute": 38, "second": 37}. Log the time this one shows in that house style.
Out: {"hour": 9, "minute": 48, "second": 26}
